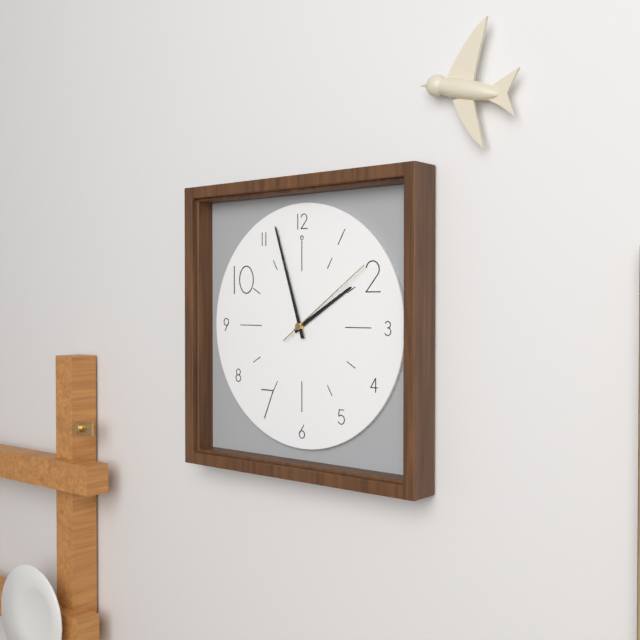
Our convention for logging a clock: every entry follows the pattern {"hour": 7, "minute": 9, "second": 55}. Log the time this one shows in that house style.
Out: {"hour": 1, "minute": 57, "second": 9}
